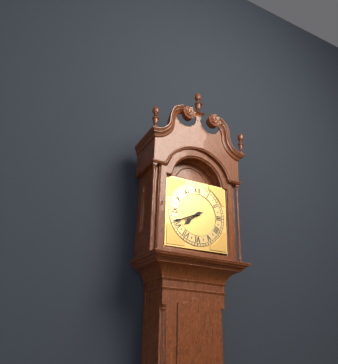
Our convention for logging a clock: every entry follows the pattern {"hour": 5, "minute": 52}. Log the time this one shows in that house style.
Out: {"hour": 7, "minute": 41}
